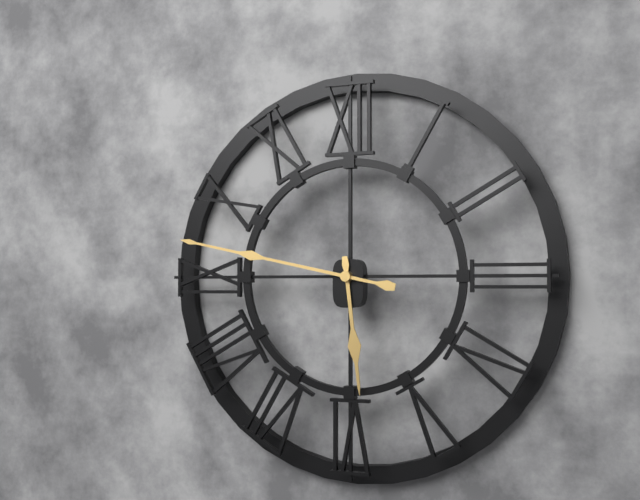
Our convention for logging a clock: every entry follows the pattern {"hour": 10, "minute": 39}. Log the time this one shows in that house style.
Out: {"hour": 5, "minute": 47}
